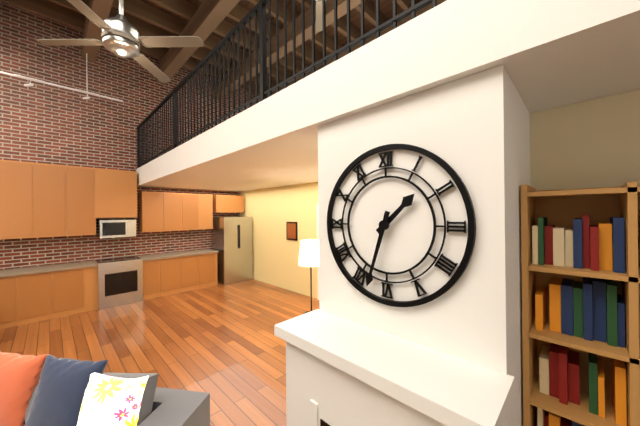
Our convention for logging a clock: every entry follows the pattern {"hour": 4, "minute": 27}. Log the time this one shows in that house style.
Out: {"hour": 1, "minute": 33}
